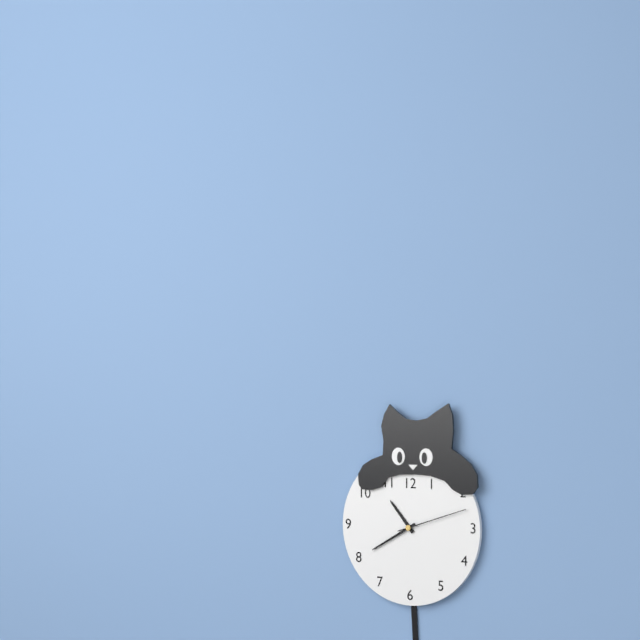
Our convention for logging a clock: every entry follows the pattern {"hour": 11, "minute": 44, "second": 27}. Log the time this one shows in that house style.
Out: {"hour": 10, "minute": 40, "second": 12}
